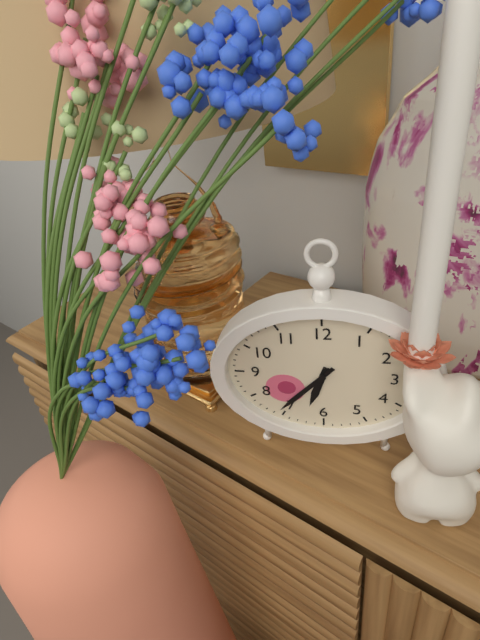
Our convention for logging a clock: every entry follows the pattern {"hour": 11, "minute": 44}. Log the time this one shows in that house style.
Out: {"hour": 6, "minute": 37}
